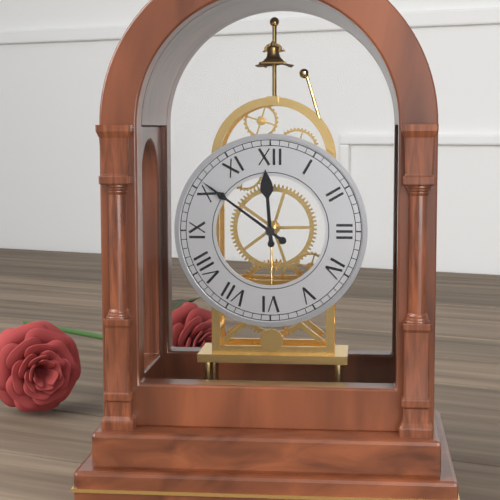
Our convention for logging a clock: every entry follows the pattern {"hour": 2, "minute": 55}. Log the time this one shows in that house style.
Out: {"hour": 11, "minute": 51}
